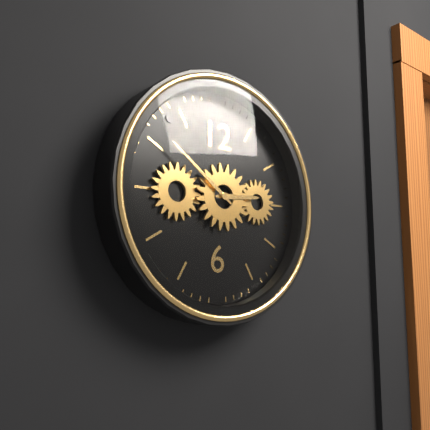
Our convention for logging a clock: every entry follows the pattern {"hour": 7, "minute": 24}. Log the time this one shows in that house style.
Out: {"hour": 2, "minute": 51}
